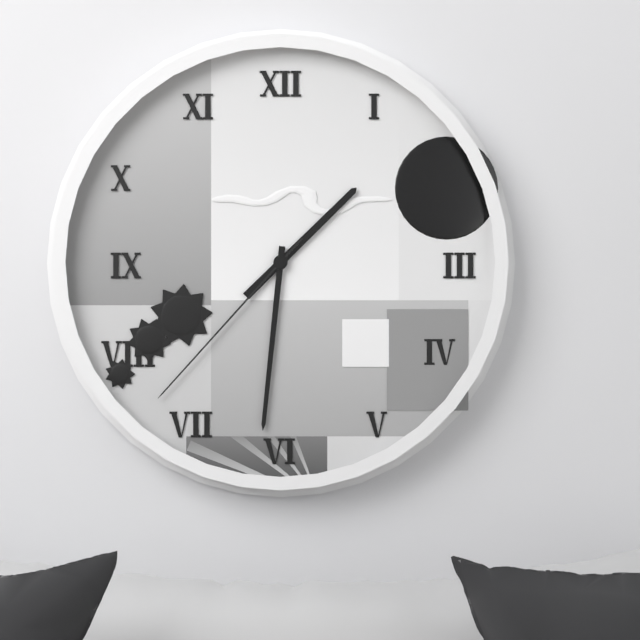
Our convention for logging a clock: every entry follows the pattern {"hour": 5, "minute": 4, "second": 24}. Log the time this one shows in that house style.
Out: {"hour": 1, "minute": 31, "second": 37}
